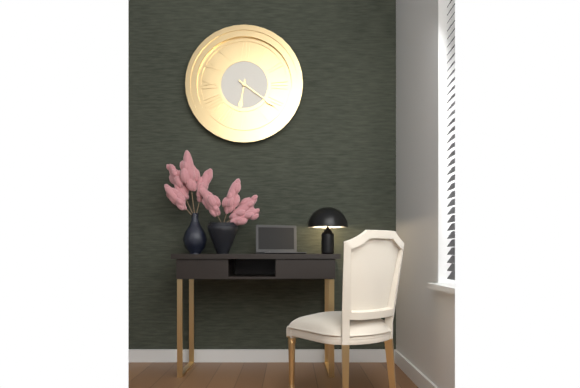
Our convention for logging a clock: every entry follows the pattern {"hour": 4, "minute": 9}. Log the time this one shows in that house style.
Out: {"hour": 6, "minute": 21}
